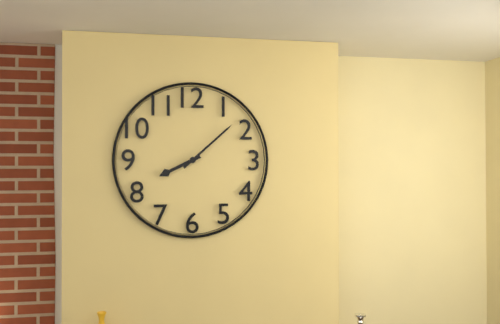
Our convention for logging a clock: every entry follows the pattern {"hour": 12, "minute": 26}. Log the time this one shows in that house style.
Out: {"hour": 8, "minute": 8}
